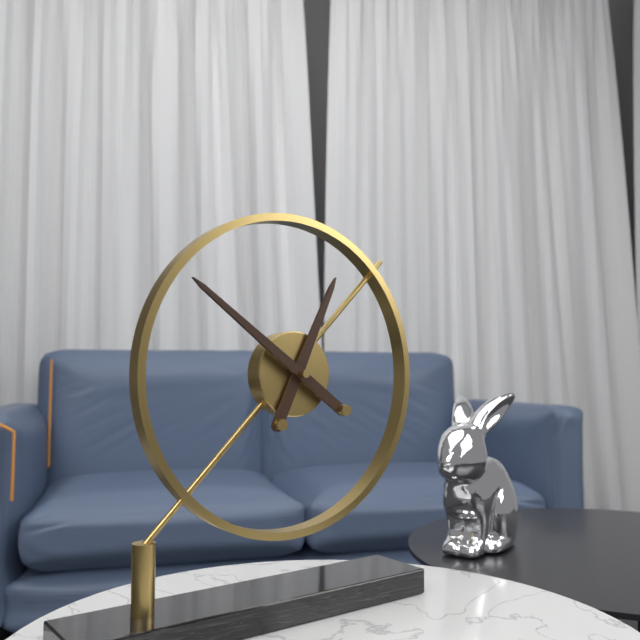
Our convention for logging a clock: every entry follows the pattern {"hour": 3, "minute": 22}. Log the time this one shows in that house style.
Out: {"hour": 12, "minute": 51}
